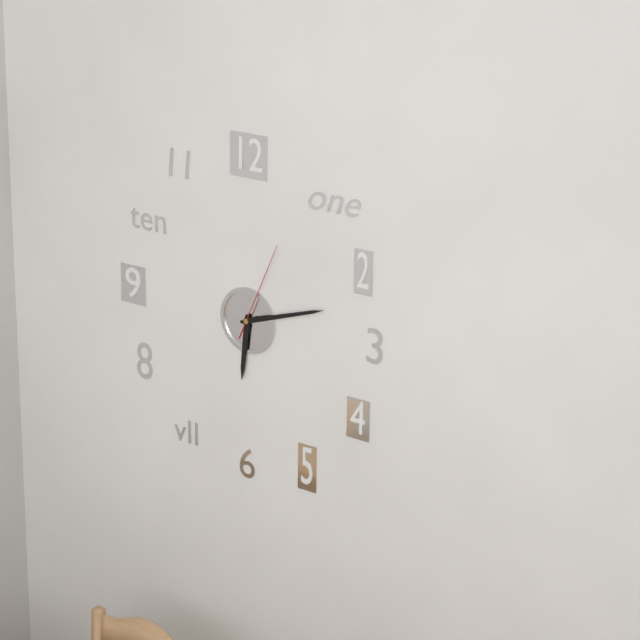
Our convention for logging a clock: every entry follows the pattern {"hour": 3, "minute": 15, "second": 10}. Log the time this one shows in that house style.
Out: {"hour": 6, "minute": 12, "second": 4}
